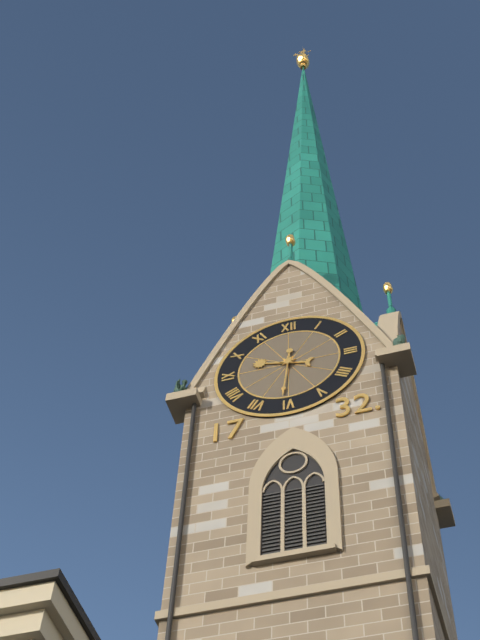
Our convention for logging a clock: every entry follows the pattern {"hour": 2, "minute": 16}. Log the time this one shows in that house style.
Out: {"hour": 9, "minute": 31}
